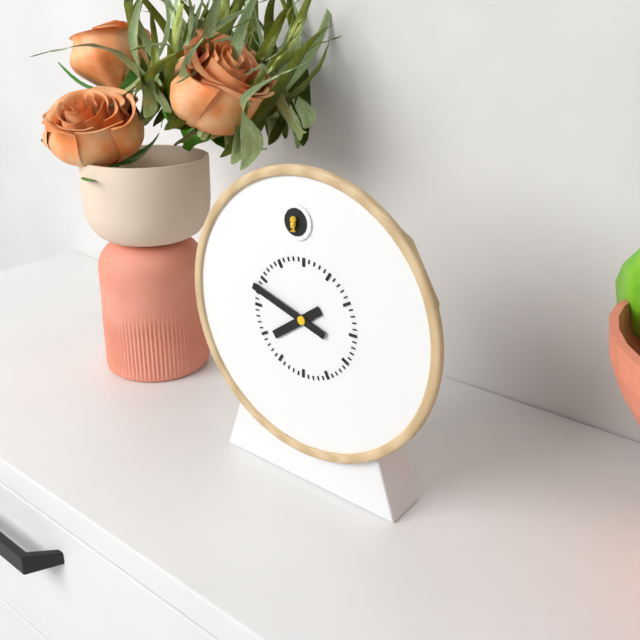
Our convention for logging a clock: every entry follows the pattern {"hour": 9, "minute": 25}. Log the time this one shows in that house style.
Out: {"hour": 7, "minute": 48}
